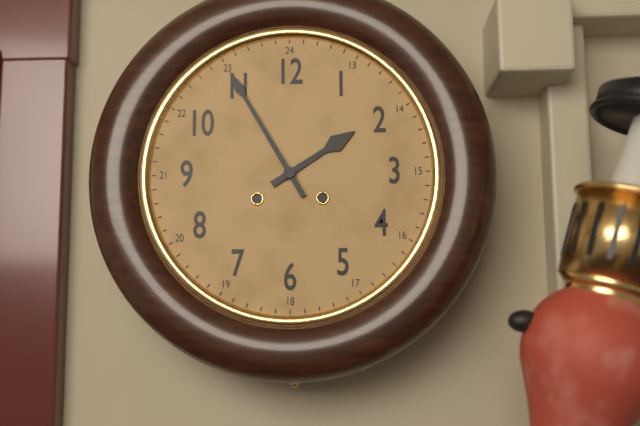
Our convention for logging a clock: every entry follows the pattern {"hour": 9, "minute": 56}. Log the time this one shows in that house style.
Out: {"hour": 1, "minute": 55}
